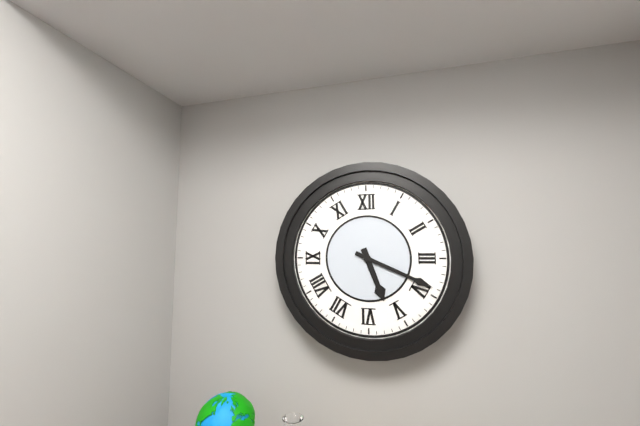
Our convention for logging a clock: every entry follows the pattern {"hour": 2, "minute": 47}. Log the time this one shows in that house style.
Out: {"hour": 5, "minute": 19}
